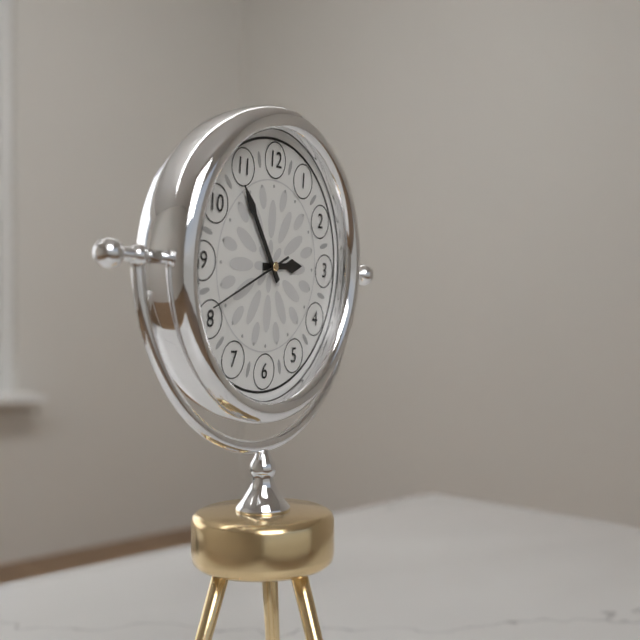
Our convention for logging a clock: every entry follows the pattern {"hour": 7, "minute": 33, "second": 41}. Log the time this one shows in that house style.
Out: {"hour": 2, "minute": 54, "second": 41}
